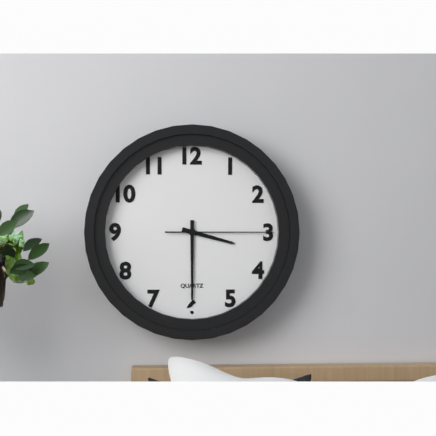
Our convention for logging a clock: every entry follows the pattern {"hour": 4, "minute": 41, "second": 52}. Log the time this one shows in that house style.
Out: {"hour": 3, "minute": 30, "second": 15}
